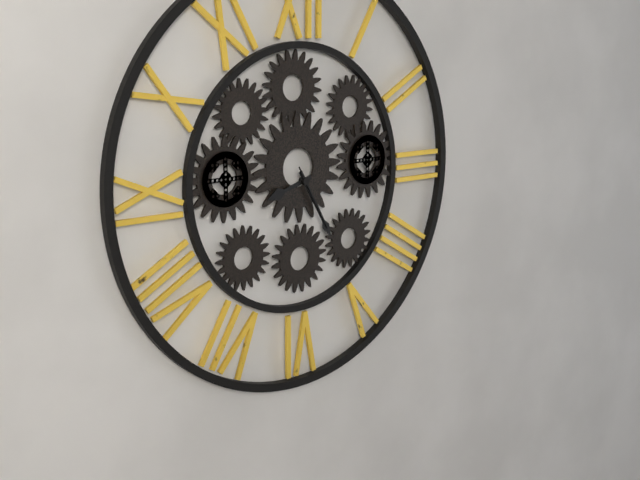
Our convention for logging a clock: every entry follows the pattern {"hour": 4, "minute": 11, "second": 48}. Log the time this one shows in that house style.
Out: {"hour": 8, "minute": 25, "second": 25}
